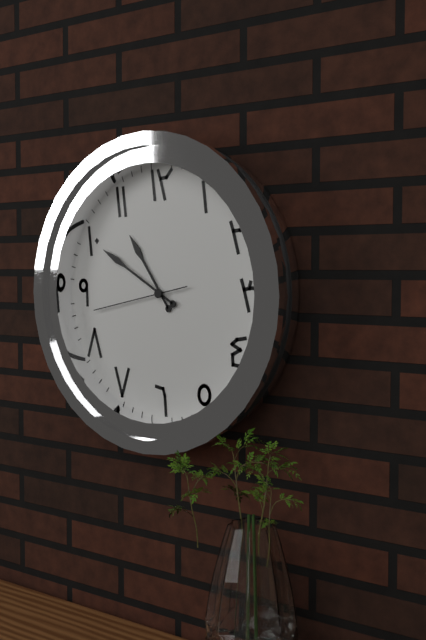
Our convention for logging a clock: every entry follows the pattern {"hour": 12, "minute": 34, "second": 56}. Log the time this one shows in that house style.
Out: {"hour": 10, "minute": 50, "second": 43}
